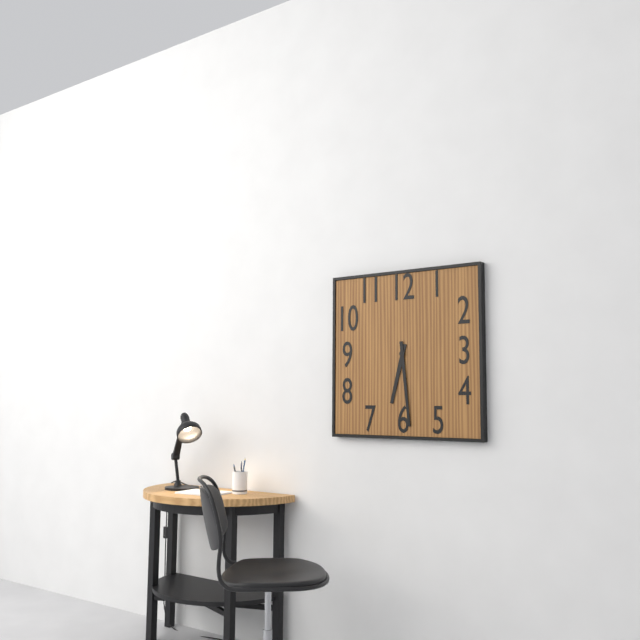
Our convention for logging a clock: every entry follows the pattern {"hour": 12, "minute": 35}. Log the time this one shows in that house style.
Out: {"hour": 6, "minute": 29}
